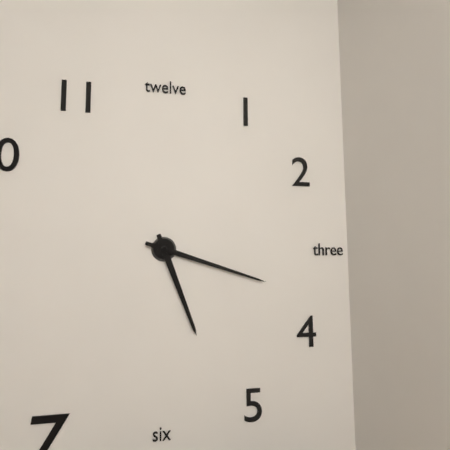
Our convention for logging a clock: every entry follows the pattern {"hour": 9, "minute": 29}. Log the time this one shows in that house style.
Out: {"hour": 5, "minute": 18}
